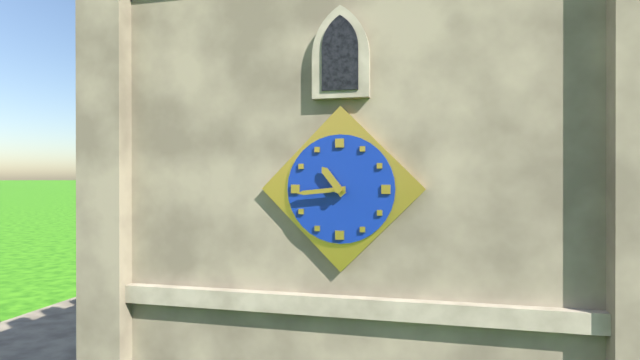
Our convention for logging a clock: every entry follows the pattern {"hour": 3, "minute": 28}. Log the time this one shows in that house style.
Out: {"hour": 10, "minute": 44}
